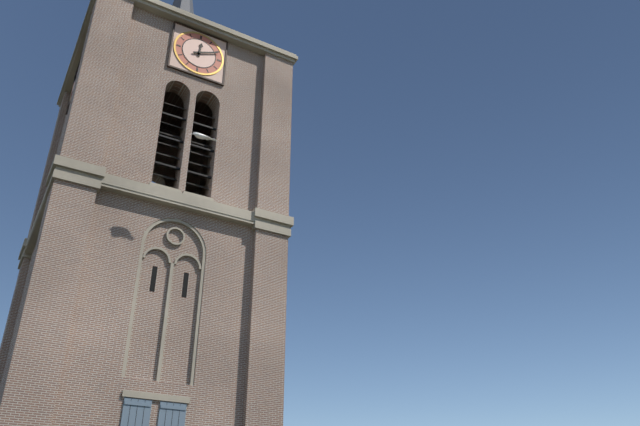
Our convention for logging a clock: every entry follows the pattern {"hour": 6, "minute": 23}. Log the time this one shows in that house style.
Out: {"hour": 12, "minute": 11}
